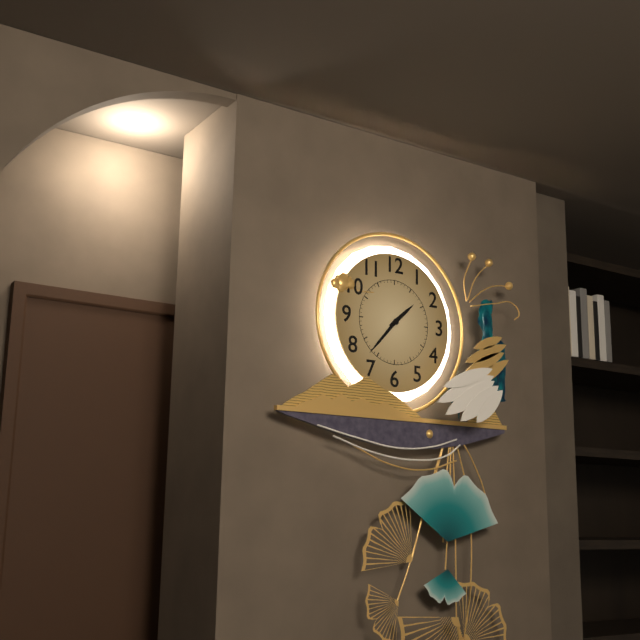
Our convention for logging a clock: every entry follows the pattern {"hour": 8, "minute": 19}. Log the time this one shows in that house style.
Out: {"hour": 1, "minute": 37}
